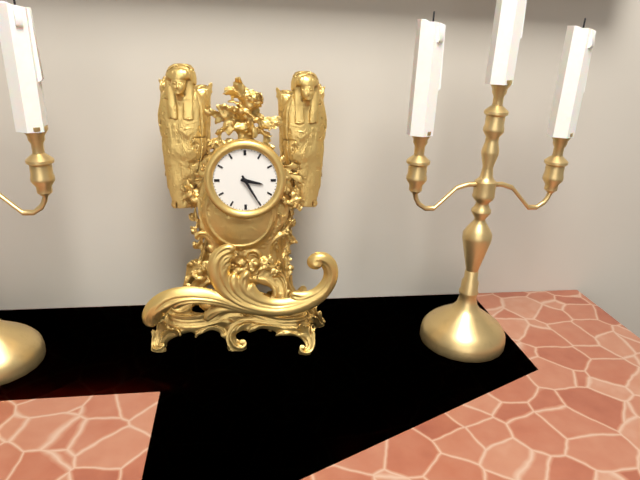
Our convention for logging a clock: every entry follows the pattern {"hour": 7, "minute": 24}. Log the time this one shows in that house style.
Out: {"hour": 3, "minute": 25}
